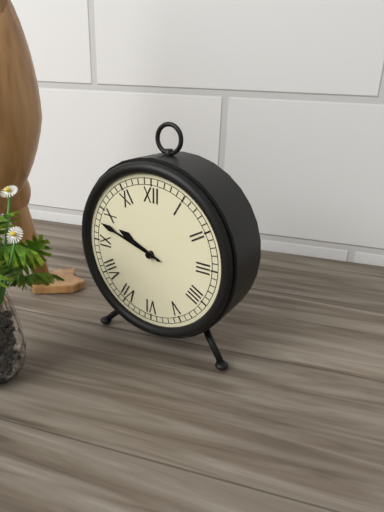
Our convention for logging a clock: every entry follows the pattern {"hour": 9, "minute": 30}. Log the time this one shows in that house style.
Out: {"hour": 9, "minute": 48}
